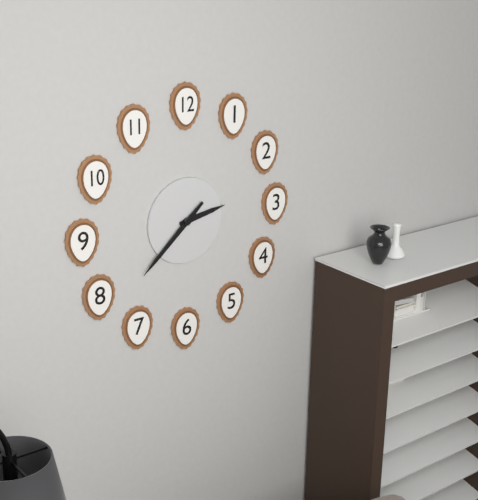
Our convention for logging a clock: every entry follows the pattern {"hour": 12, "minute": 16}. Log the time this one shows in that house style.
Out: {"hour": 2, "minute": 38}
